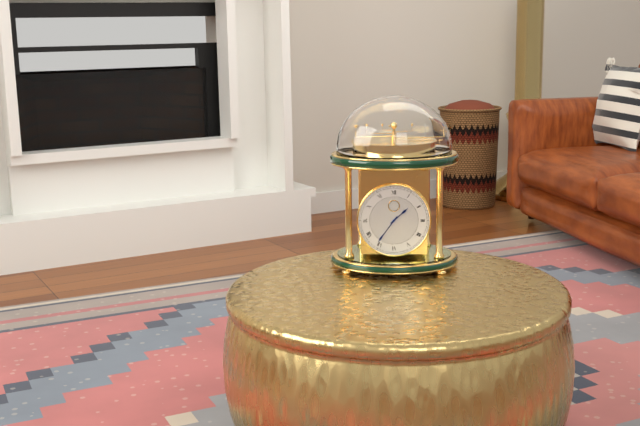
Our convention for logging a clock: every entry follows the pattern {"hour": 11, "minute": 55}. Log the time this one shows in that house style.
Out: {"hour": 1, "minute": 36}
